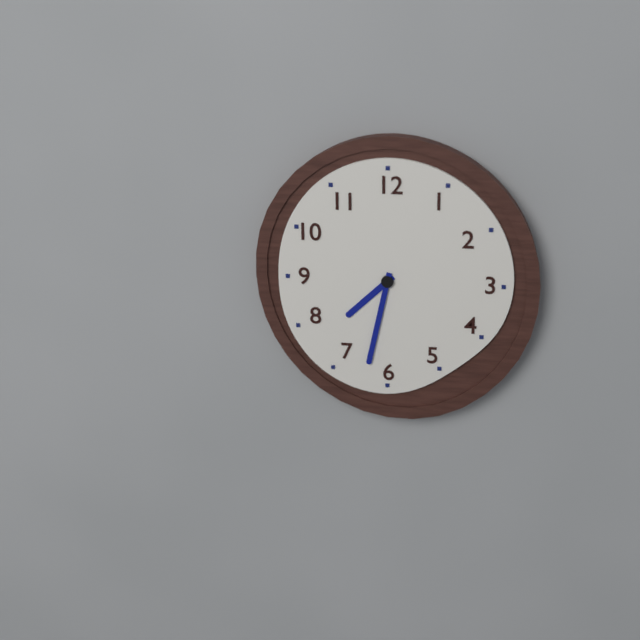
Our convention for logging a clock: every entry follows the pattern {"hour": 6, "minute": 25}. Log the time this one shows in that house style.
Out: {"hour": 7, "minute": 32}
